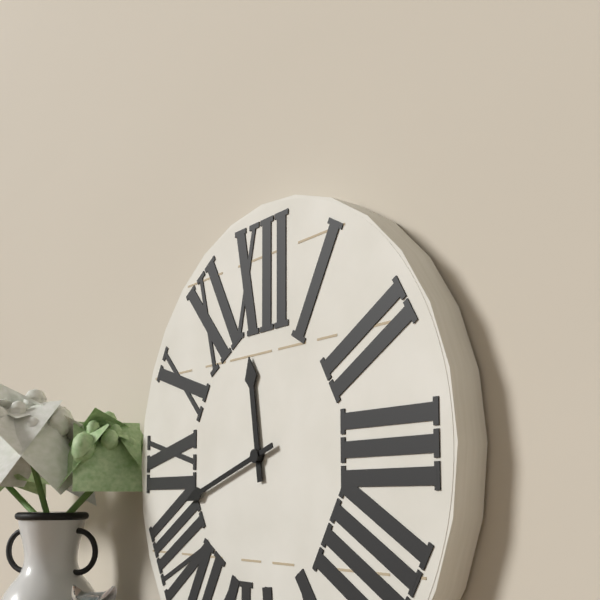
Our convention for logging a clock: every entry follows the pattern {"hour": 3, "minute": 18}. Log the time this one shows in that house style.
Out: {"hour": 11, "minute": 42}
